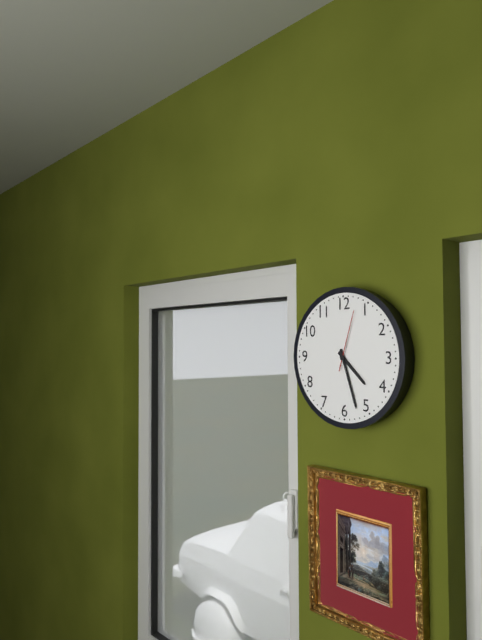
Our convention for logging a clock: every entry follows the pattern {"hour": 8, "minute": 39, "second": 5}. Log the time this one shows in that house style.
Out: {"hour": 4, "minute": 27, "second": 3}
